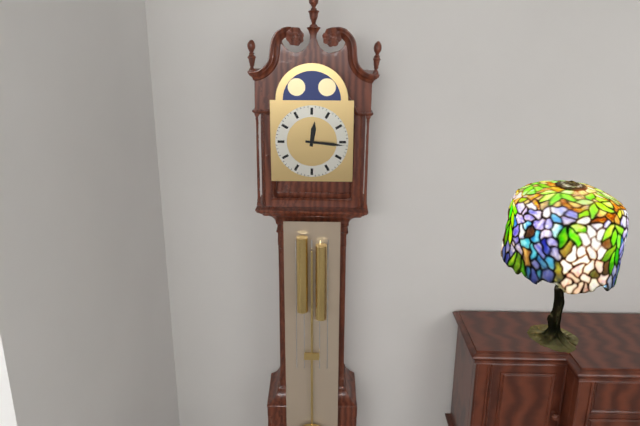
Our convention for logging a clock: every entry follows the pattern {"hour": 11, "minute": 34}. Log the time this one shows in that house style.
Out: {"hour": 12, "minute": 16}
